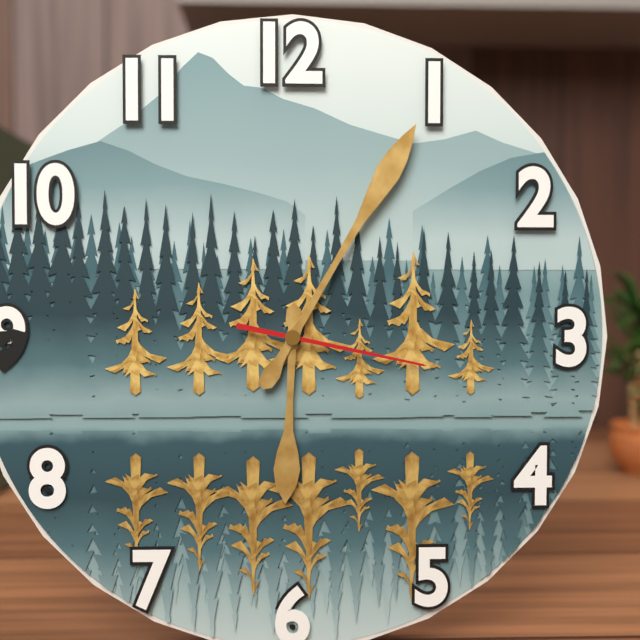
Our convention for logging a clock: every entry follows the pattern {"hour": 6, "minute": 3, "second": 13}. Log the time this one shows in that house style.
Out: {"hour": 6, "minute": 5, "second": 17}
